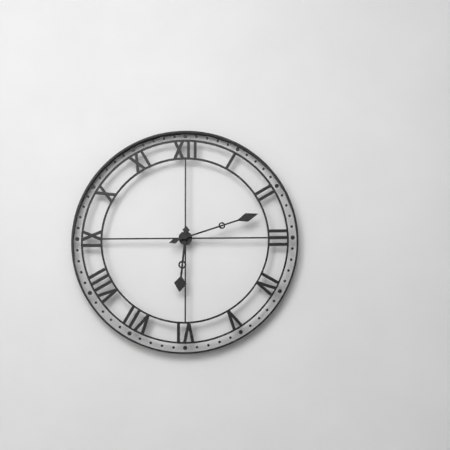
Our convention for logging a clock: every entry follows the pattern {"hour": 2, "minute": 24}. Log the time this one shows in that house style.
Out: {"hour": 6, "minute": 12}
